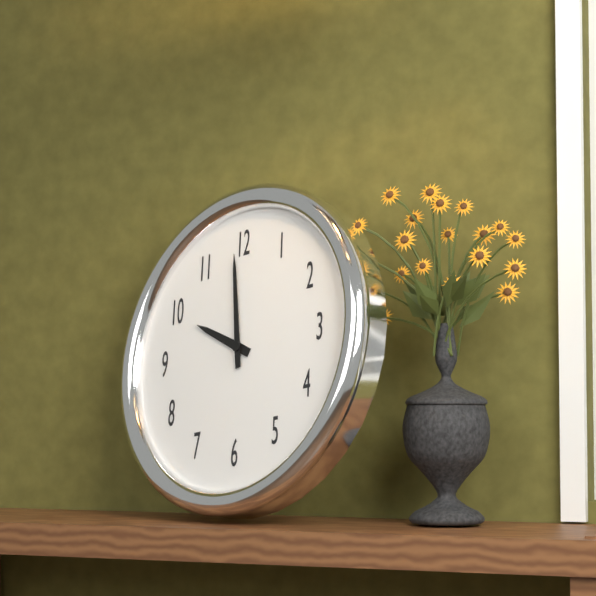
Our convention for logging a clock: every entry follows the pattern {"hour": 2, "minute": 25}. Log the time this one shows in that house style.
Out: {"hour": 9, "minute": 59}
